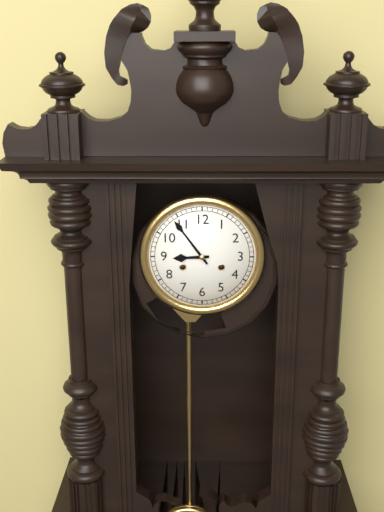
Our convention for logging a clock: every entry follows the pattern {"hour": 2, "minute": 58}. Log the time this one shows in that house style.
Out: {"hour": 8, "minute": 54}
